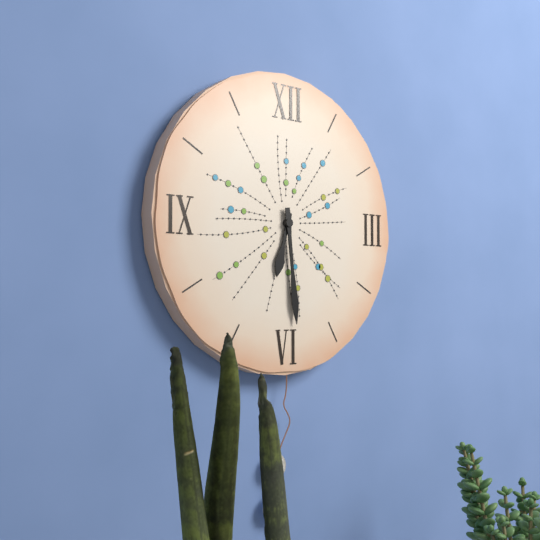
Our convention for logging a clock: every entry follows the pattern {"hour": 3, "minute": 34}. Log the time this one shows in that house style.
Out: {"hour": 6, "minute": 29}
